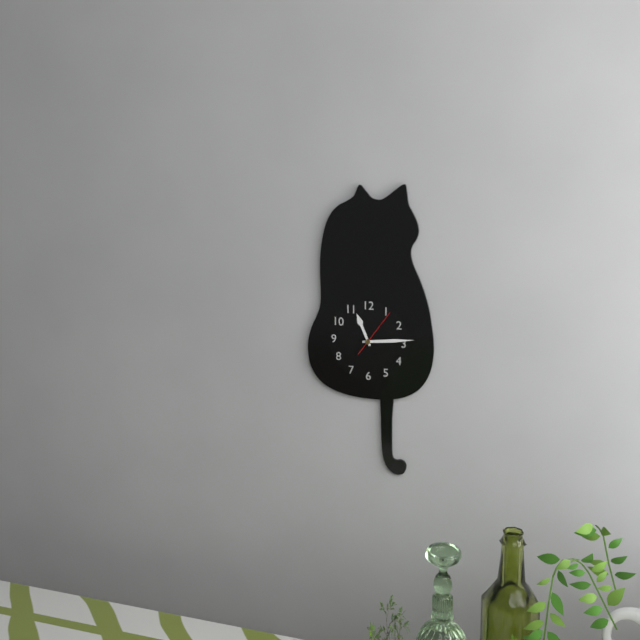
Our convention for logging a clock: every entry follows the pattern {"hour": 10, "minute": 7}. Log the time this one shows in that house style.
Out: {"hour": 11, "minute": 14}
